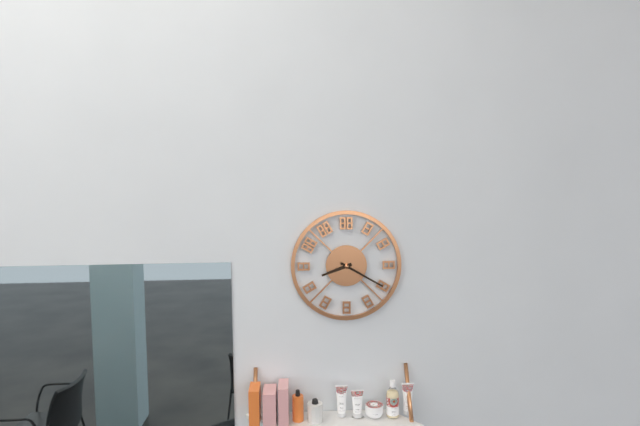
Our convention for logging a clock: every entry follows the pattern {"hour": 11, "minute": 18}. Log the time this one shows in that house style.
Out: {"hour": 8, "minute": 20}
